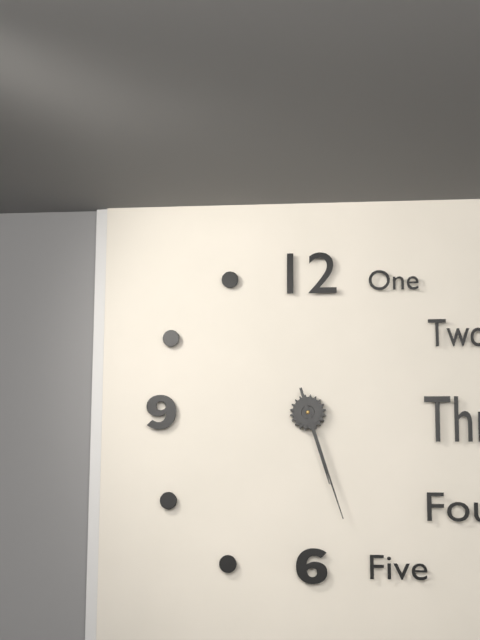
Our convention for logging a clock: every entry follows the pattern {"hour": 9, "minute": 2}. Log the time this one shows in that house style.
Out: {"hour": 5, "minute": 27}
